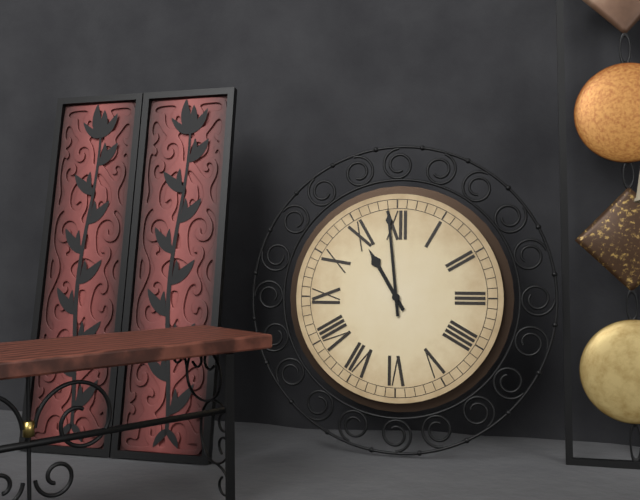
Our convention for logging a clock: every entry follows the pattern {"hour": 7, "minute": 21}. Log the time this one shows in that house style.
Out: {"hour": 10, "minute": 59}
